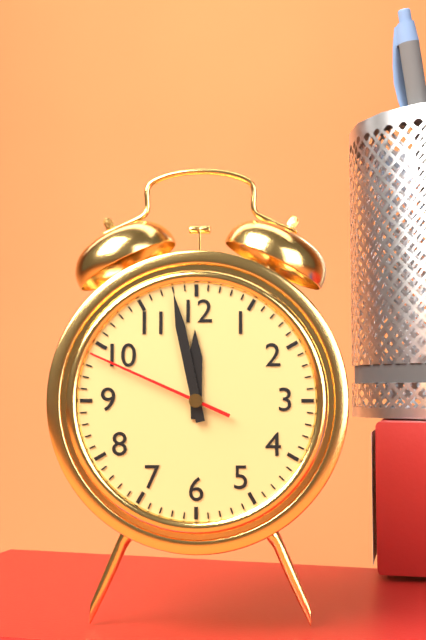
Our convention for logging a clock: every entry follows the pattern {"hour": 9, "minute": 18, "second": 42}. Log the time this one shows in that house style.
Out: {"hour": 11, "minute": 58, "second": 49}
